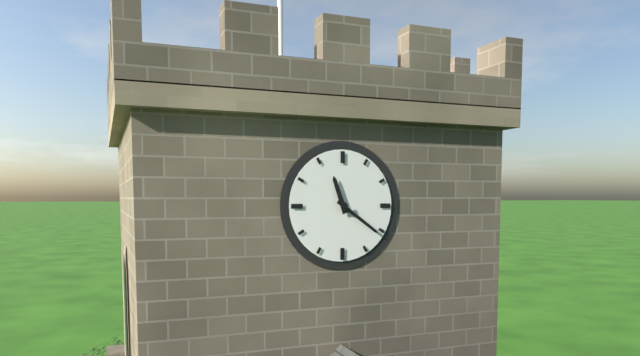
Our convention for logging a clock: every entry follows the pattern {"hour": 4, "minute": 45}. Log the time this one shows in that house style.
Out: {"hour": 11, "minute": 21}
